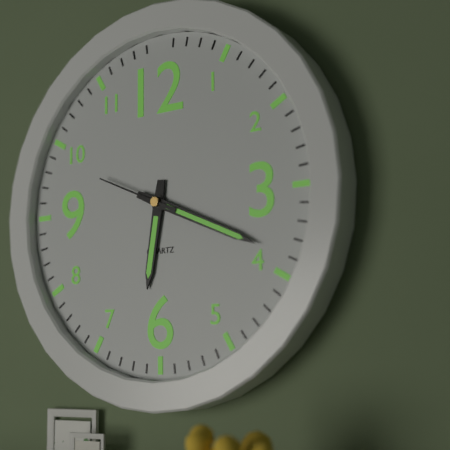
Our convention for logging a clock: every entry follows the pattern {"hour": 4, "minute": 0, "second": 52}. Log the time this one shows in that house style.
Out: {"hour": 6, "minute": 19, "second": 49}
